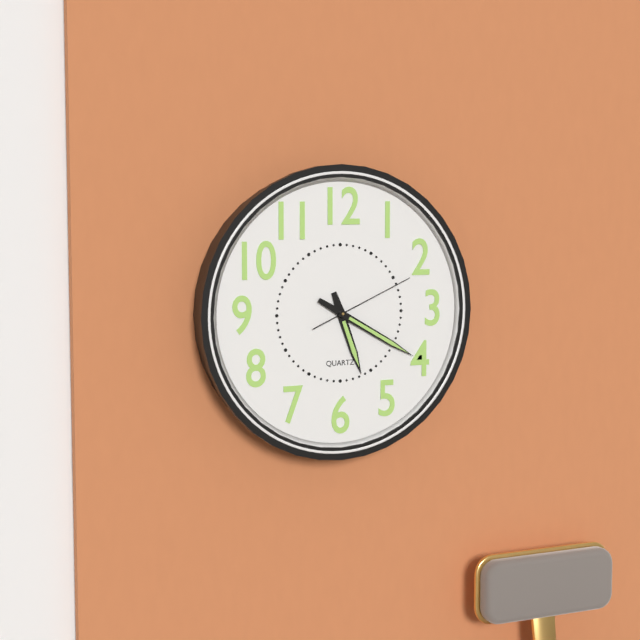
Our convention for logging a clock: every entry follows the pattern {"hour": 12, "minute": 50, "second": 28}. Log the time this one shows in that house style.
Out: {"hour": 5, "minute": 20, "second": 11}
